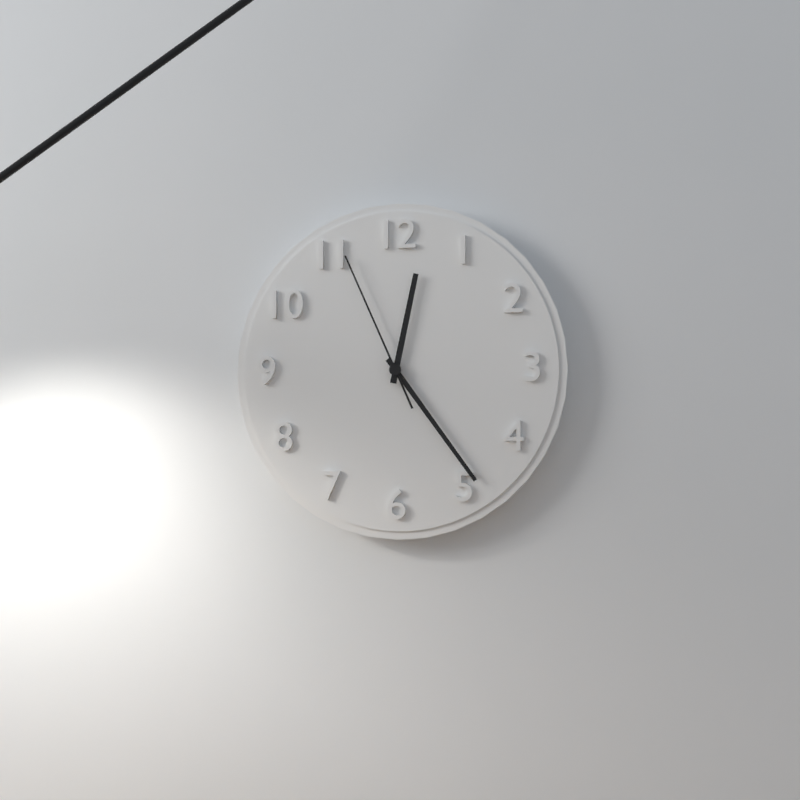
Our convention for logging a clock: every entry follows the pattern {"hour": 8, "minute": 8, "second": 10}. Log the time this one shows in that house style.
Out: {"hour": 12, "minute": 24, "second": 56}
